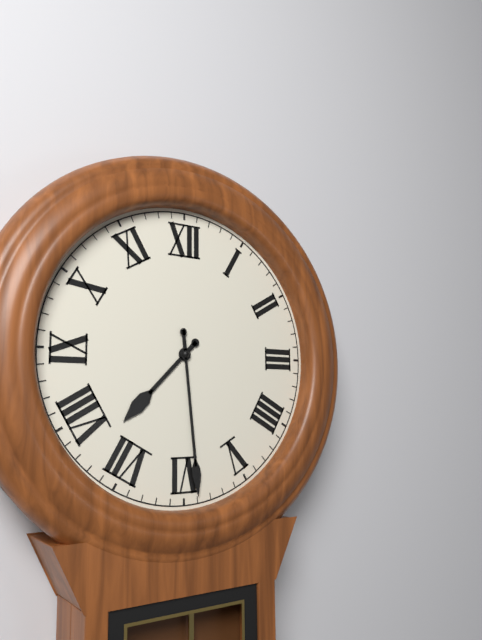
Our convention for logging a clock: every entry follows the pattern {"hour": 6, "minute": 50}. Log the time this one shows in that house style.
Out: {"hour": 7, "minute": 29}
